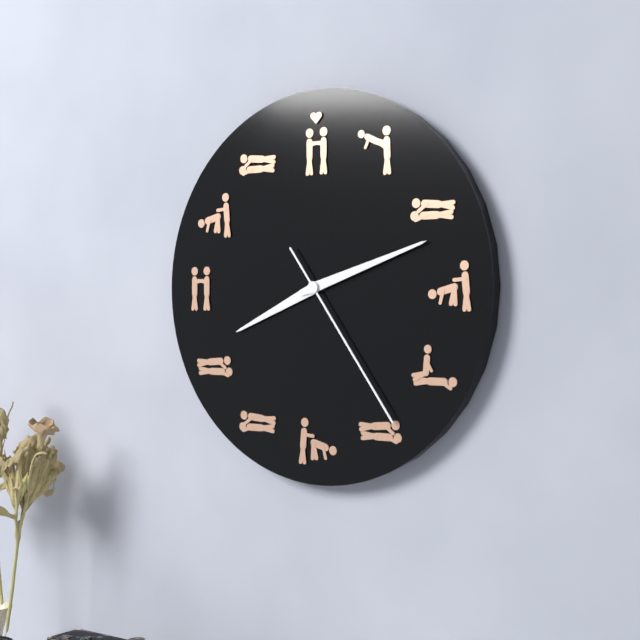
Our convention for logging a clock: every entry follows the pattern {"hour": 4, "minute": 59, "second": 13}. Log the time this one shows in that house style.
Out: {"hour": 8, "minute": 12, "second": 24}
